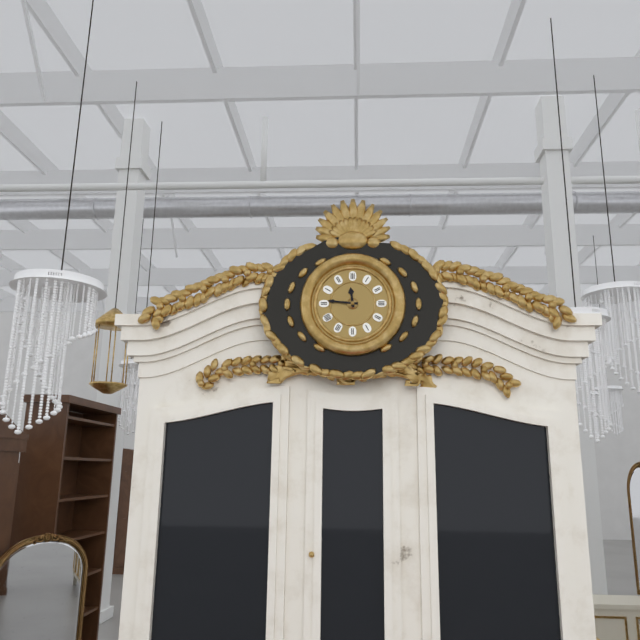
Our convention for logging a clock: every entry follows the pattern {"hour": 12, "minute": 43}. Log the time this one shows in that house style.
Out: {"hour": 11, "minute": 46}
